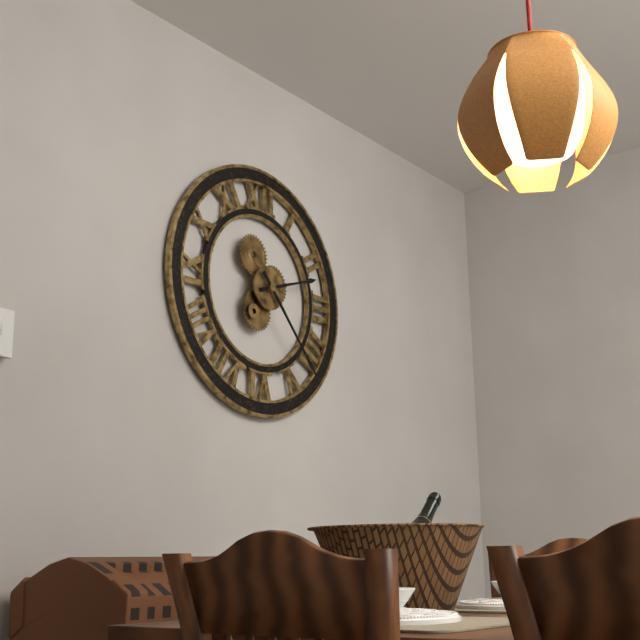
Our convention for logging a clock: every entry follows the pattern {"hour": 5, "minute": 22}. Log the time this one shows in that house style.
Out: {"hour": 2, "minute": 23}
